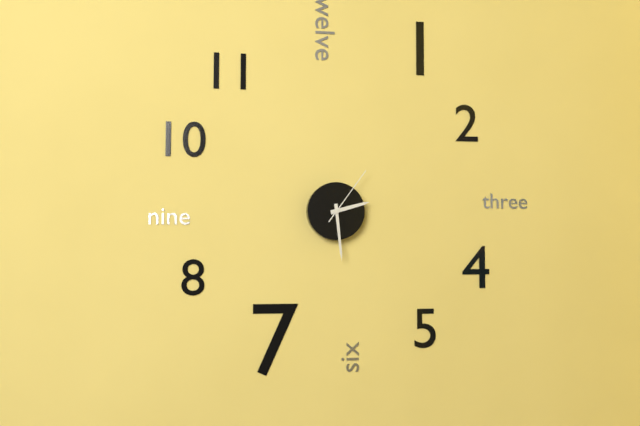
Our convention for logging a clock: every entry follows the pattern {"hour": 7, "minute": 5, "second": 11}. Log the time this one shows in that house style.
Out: {"hour": 2, "minute": 29, "second": 6}
